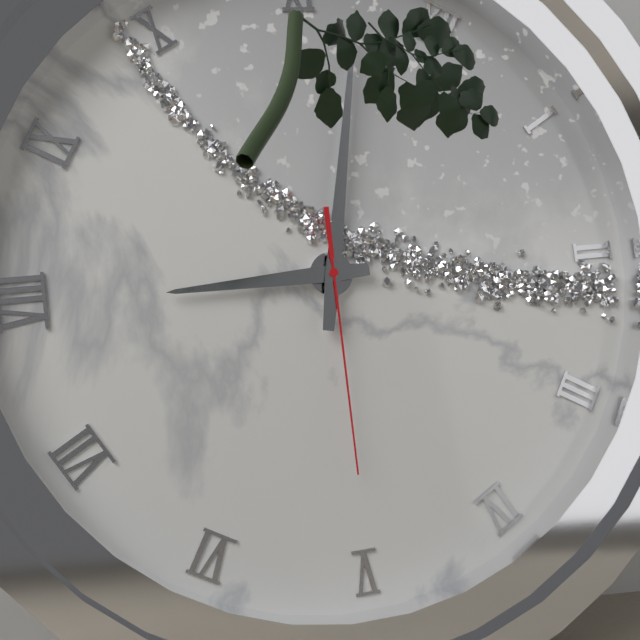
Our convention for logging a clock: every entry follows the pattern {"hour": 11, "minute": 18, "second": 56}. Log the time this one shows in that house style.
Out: {"hour": 7, "minute": 57, "second": 25}
